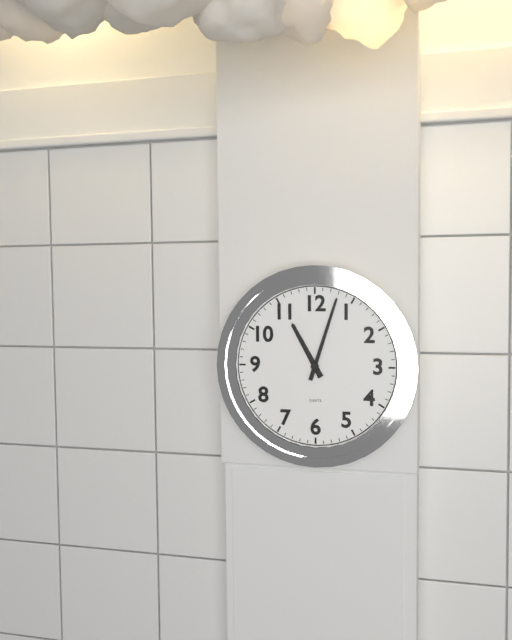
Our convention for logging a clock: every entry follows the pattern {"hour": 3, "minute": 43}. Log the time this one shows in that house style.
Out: {"hour": 11, "minute": 3}
